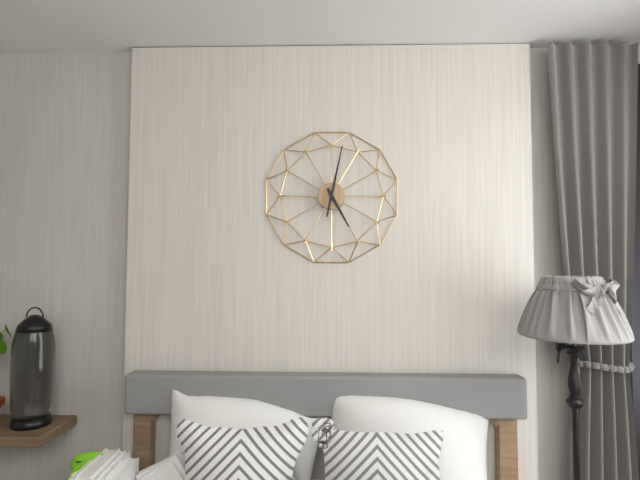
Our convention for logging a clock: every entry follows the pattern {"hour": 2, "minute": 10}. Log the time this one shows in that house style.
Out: {"hour": 5, "minute": 2}
